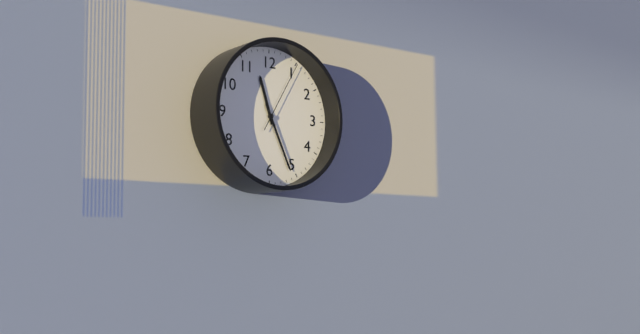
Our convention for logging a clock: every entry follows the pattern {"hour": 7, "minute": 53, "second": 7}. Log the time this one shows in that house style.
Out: {"hour": 11, "minute": 26, "second": 5}
